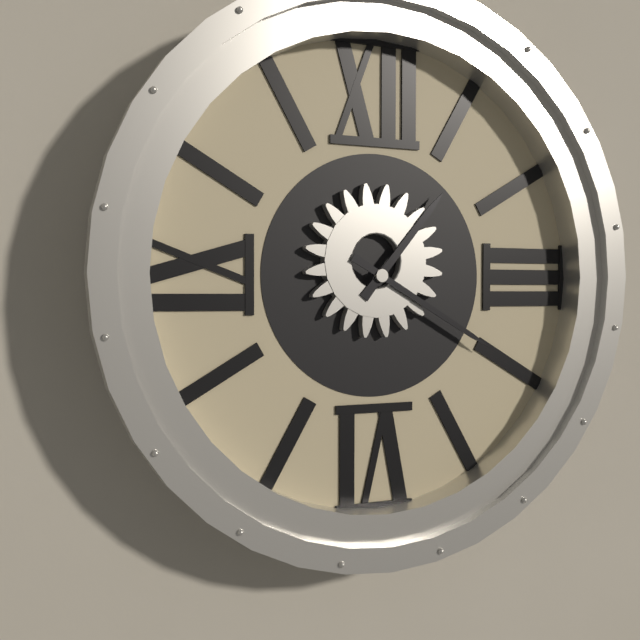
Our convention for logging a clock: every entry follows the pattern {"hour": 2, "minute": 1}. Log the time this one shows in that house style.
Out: {"hour": 1, "minute": 20}
